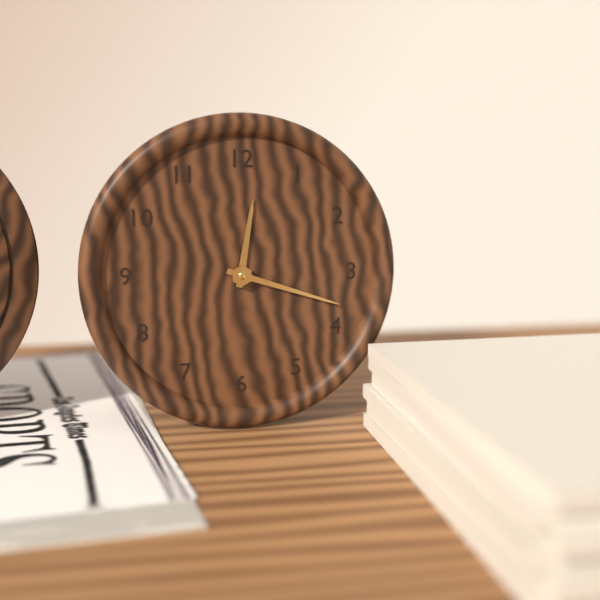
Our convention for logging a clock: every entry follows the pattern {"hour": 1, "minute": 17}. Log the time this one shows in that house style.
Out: {"hour": 12, "minute": 18}
